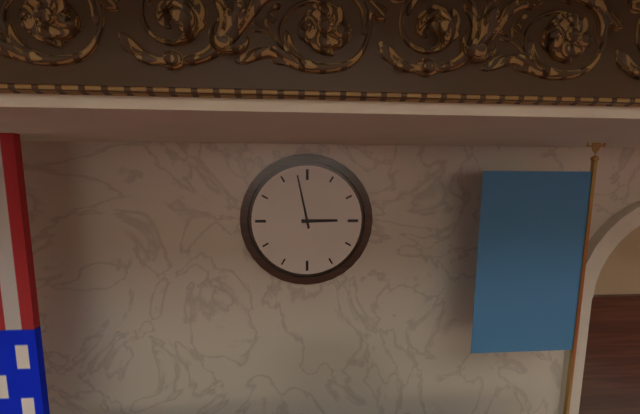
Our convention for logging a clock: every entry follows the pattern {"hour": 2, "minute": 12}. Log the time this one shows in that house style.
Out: {"hour": 2, "minute": 58}
